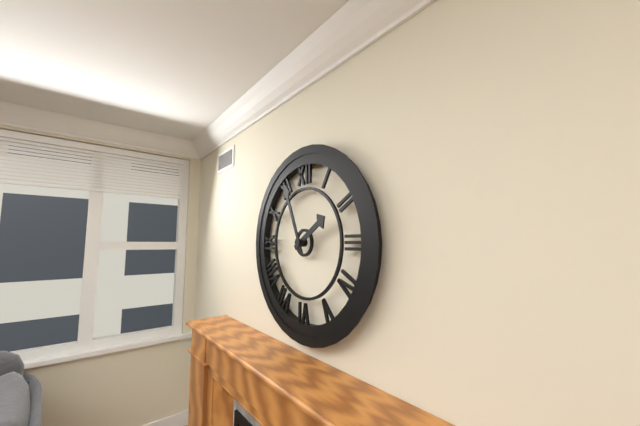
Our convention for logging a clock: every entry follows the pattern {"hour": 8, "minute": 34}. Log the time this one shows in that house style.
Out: {"hour": 1, "minute": 56}
